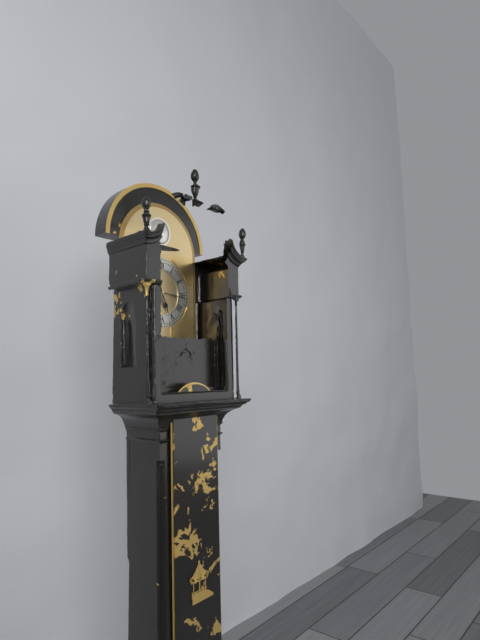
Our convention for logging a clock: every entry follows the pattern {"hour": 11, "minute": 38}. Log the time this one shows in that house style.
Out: {"hour": 5, "minute": 16}
